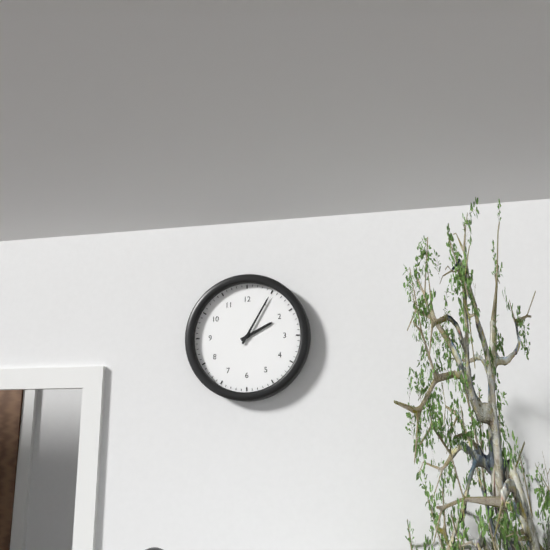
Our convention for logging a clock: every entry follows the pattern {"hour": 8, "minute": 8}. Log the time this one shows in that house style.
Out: {"hour": 2, "minute": 5}
